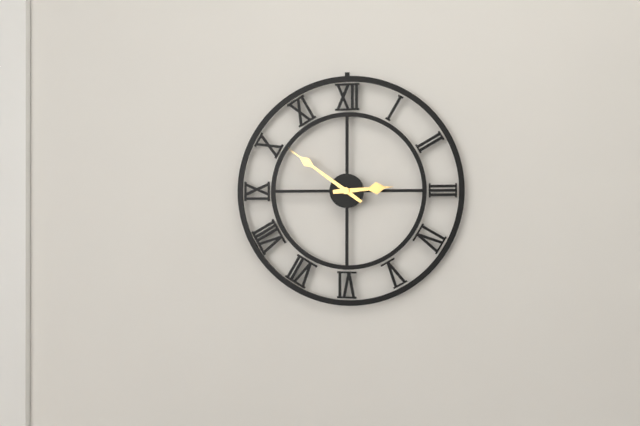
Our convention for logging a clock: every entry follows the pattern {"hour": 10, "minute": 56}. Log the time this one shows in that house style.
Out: {"hour": 2, "minute": 51}
